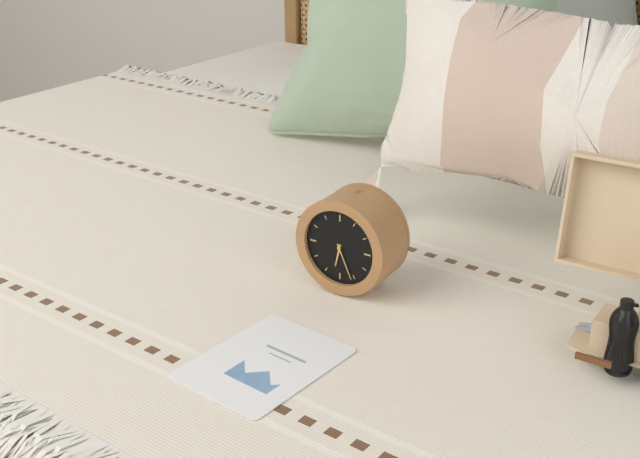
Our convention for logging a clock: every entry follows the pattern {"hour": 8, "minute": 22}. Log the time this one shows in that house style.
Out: {"hour": 6, "minute": 26}
